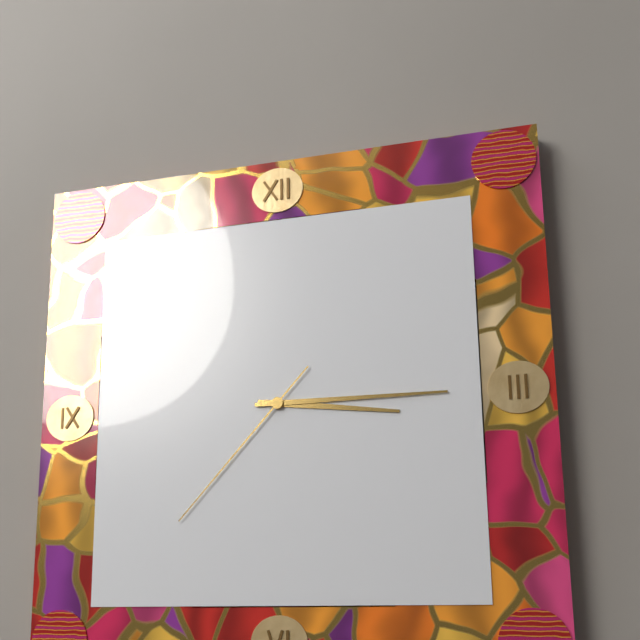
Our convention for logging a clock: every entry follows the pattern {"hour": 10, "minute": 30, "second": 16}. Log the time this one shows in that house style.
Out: {"hour": 3, "minute": 15, "second": 37}
